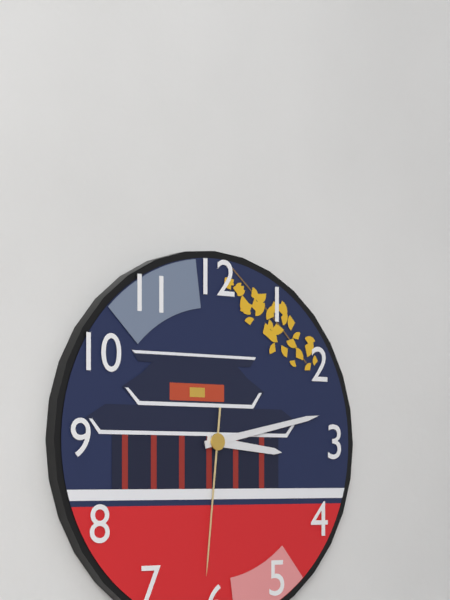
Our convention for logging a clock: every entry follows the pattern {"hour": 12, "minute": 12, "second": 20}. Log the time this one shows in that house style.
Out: {"hour": 3, "minute": 13, "second": 31}
